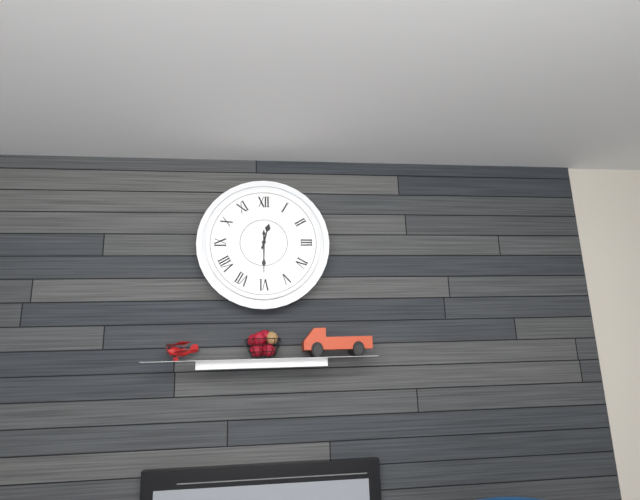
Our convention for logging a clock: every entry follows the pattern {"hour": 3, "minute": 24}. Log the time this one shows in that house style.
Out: {"hour": 12, "minute": 30}
